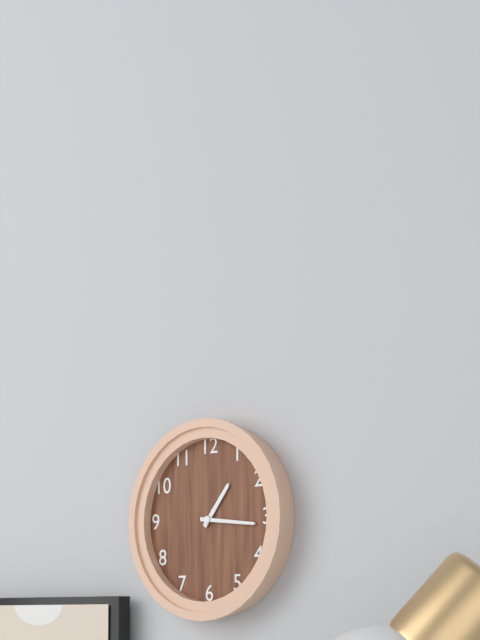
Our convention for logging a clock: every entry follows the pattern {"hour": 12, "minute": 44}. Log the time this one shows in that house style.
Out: {"hour": 1, "minute": 16}
